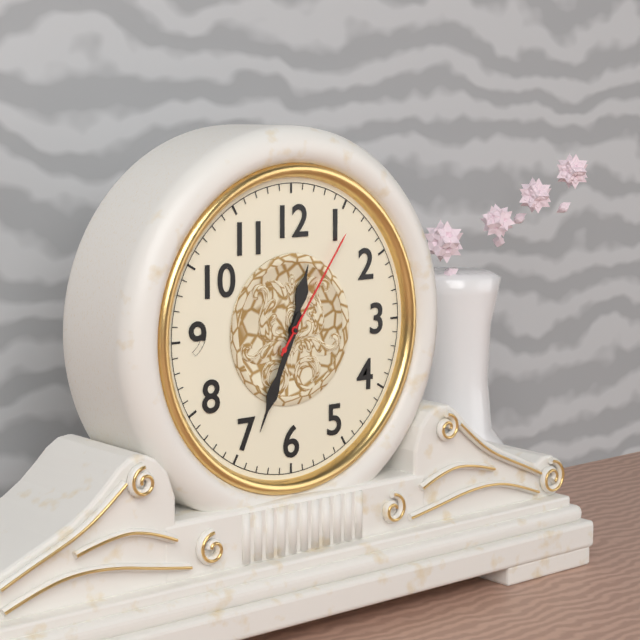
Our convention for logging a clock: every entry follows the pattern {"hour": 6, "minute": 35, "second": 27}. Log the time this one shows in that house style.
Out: {"hour": 12, "minute": 34, "second": 6}
